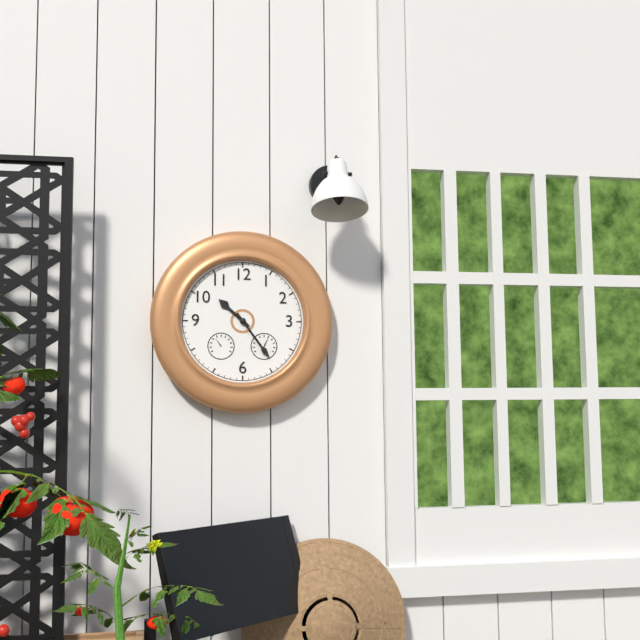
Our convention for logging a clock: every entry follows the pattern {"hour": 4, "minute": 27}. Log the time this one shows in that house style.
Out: {"hour": 10, "minute": 24}
